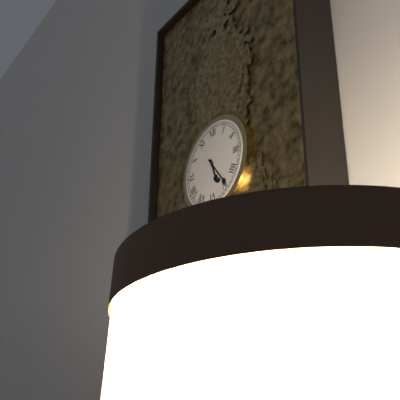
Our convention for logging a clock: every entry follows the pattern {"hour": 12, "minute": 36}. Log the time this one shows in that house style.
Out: {"hour": 5, "minute": 24}
